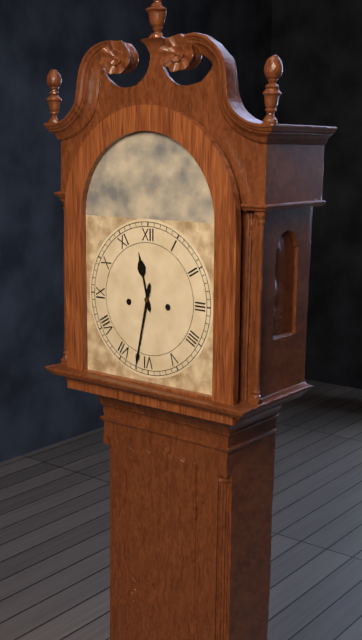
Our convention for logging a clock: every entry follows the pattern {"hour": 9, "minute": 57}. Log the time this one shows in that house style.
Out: {"hour": 11, "minute": 32}
